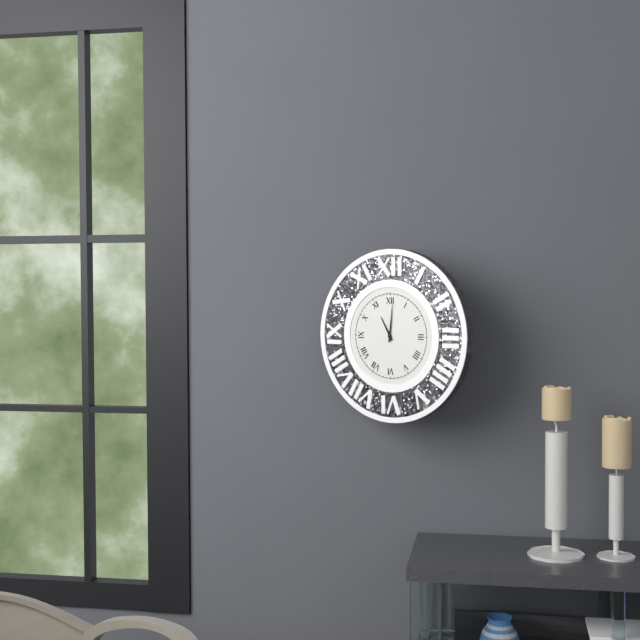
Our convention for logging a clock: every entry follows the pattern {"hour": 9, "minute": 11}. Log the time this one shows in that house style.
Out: {"hour": 11, "minute": 1}
